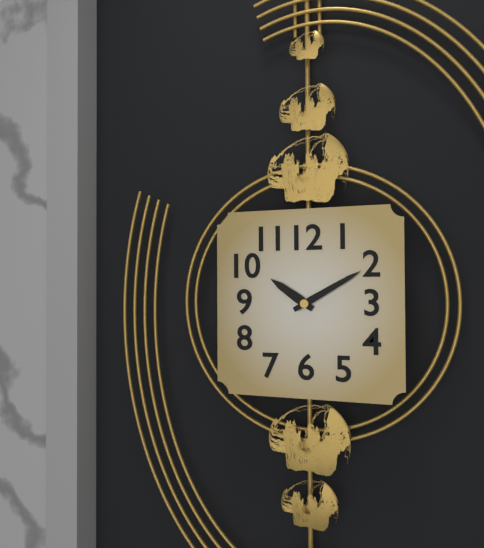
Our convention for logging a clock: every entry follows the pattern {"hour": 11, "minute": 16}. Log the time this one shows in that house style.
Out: {"hour": 10, "minute": 10}
